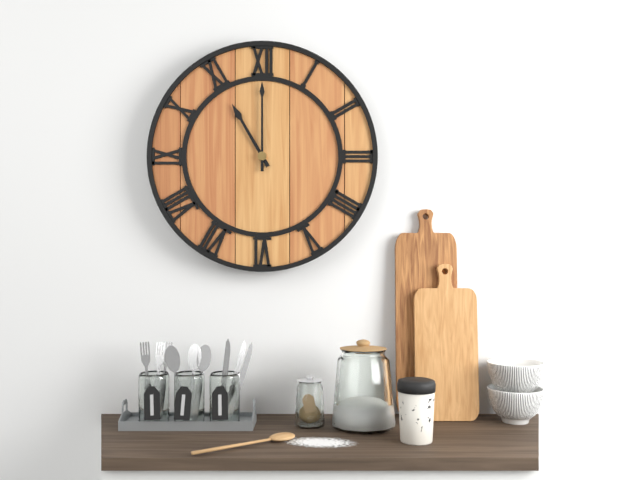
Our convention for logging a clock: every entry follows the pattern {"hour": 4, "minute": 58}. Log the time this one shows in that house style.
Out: {"hour": 11, "minute": 0}
